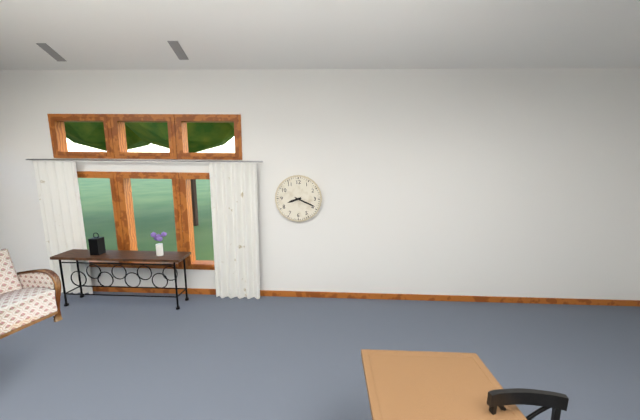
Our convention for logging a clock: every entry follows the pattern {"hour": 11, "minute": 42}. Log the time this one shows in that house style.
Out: {"hour": 8, "minute": 19}
